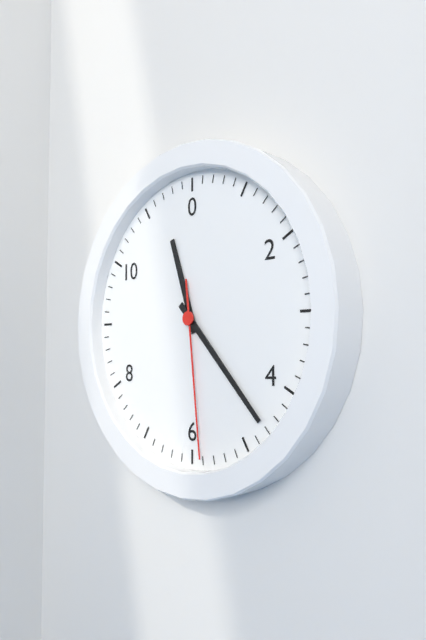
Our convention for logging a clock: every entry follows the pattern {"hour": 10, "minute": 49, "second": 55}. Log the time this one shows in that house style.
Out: {"hour": 11, "minute": 23, "second": 29}
